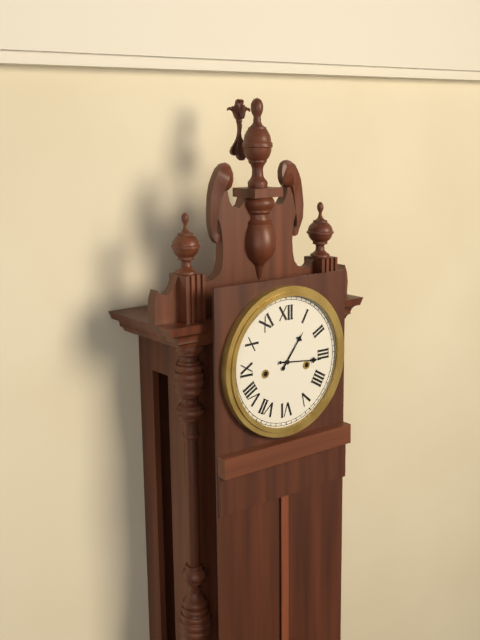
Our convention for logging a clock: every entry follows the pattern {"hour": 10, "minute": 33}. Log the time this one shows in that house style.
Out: {"hour": 1, "minute": 16}
